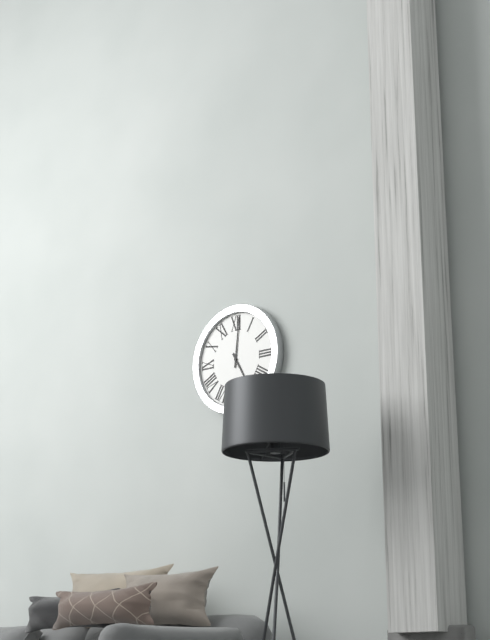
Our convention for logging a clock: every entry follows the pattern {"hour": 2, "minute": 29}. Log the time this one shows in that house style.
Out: {"hour": 5, "minute": 1}
